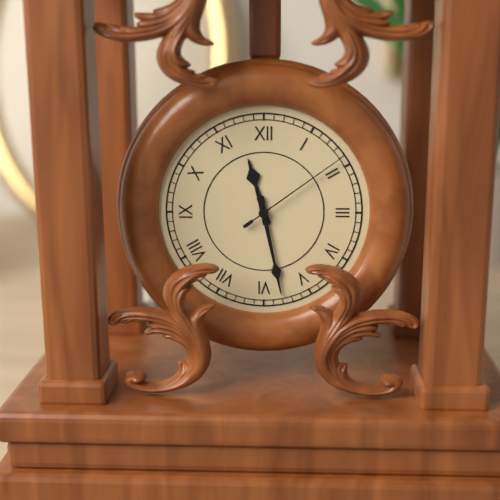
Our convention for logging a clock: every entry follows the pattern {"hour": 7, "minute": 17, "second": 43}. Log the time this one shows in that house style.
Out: {"hour": 11, "minute": 28, "second": 9}
